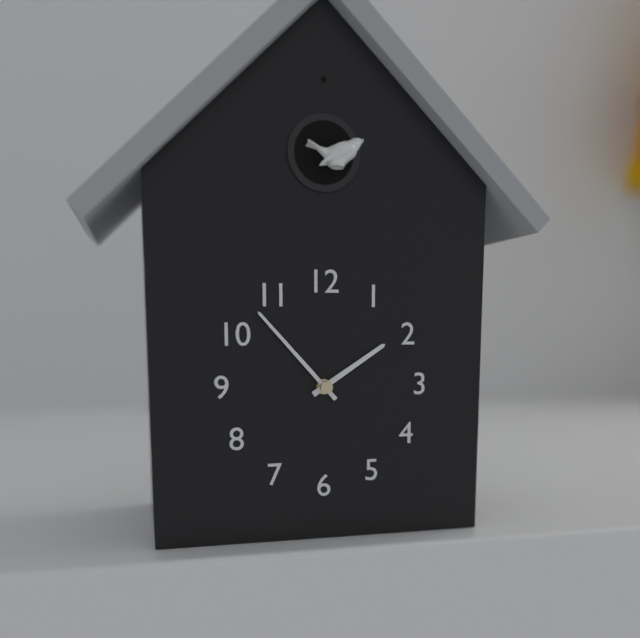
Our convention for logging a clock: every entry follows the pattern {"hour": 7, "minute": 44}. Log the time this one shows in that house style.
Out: {"hour": 1, "minute": 53}
